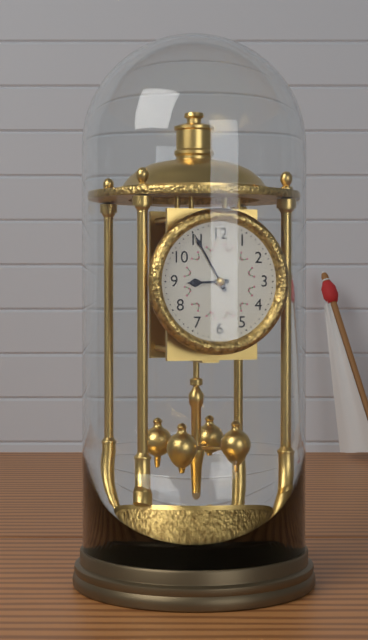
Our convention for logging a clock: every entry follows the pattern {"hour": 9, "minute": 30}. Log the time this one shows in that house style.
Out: {"hour": 8, "minute": 55}
